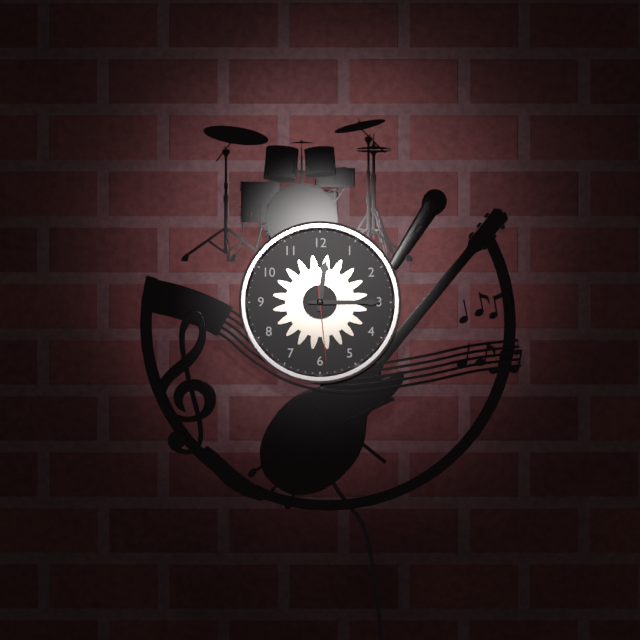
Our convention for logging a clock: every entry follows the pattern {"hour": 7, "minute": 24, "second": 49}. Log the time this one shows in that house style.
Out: {"hour": 12, "minute": 15, "second": 29}
